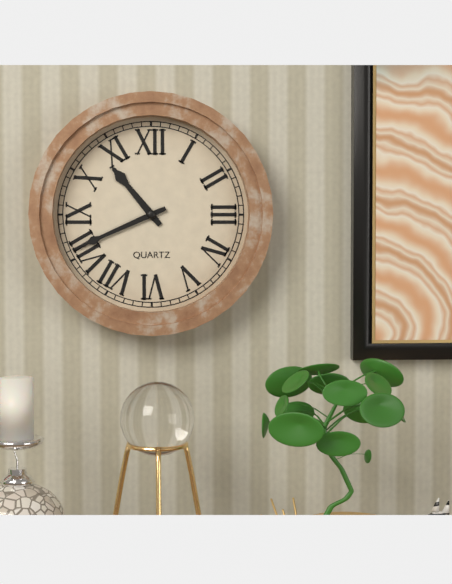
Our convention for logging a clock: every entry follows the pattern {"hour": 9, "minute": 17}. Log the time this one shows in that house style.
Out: {"hour": 10, "minute": 41}
